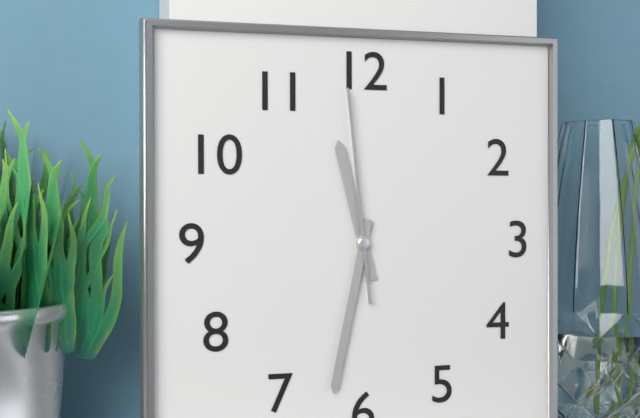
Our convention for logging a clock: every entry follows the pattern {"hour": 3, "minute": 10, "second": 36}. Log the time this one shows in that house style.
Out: {"hour": 11, "minute": 32, "second": 59}
